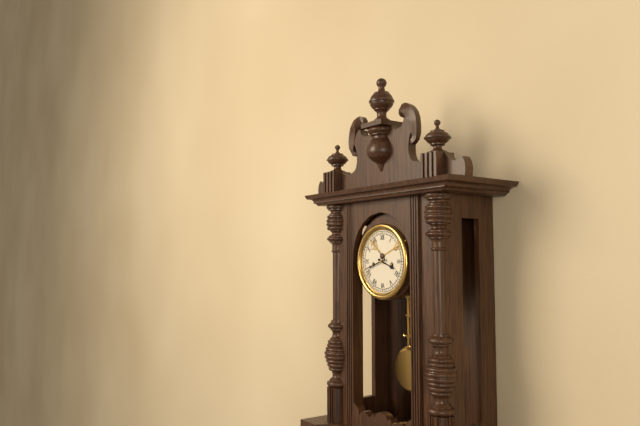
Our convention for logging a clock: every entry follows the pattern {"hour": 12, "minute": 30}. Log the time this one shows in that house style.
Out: {"hour": 3, "minute": 42}
